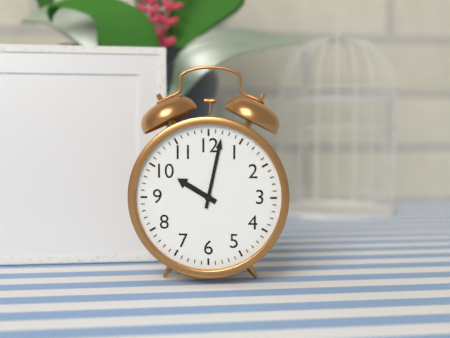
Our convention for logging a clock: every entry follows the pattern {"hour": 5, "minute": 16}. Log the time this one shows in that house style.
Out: {"hour": 10, "minute": 2}
